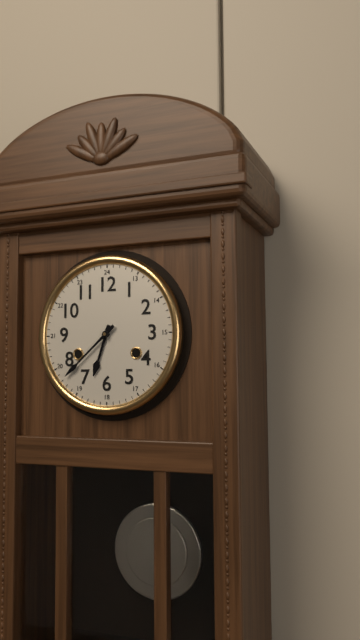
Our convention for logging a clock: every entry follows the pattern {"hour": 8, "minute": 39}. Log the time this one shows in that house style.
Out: {"hour": 6, "minute": 38}
